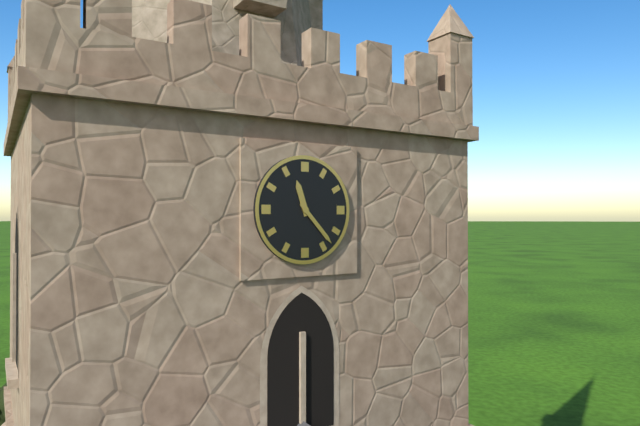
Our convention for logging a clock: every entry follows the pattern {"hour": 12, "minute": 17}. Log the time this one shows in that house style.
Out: {"hour": 11, "minute": 23}
